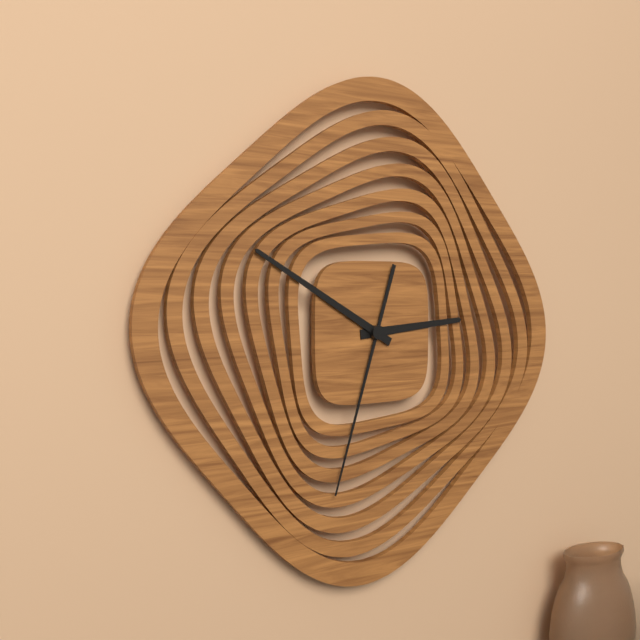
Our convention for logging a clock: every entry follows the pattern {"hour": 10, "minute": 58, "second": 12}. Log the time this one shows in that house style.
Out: {"hour": 2, "minute": 50, "second": 33}
